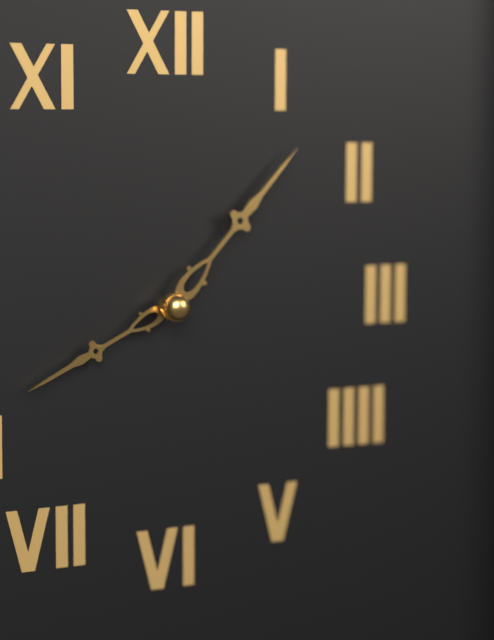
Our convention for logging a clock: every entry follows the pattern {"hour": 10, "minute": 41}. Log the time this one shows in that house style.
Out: {"hour": 8, "minute": 7}
